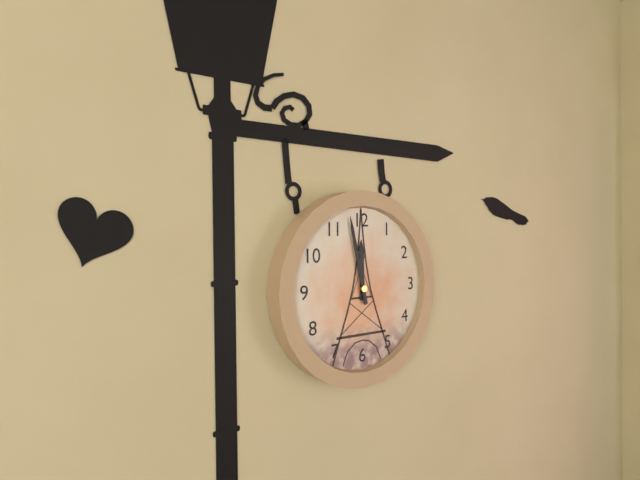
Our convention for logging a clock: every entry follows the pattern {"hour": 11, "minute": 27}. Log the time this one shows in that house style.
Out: {"hour": 11, "minute": 58}
